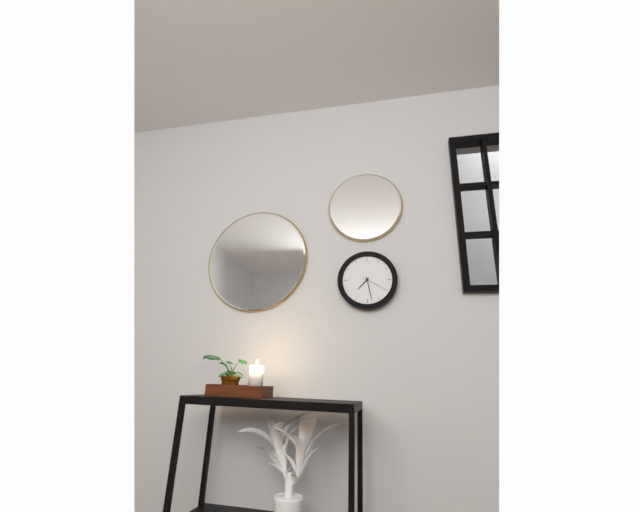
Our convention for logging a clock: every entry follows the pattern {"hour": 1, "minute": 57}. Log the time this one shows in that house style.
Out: {"hour": 7, "minute": 28}
